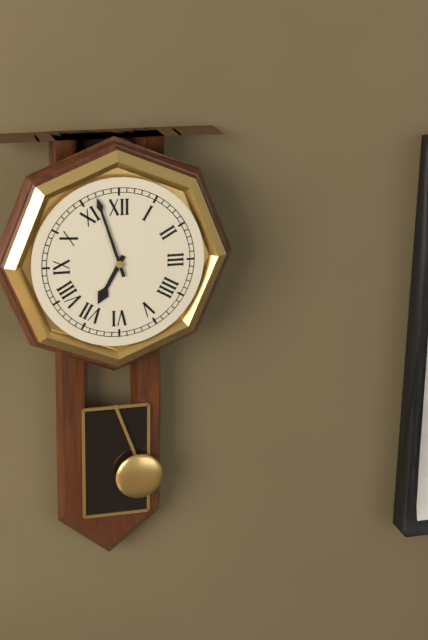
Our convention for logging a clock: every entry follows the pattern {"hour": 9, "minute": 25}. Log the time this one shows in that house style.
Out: {"hour": 6, "minute": 57}
